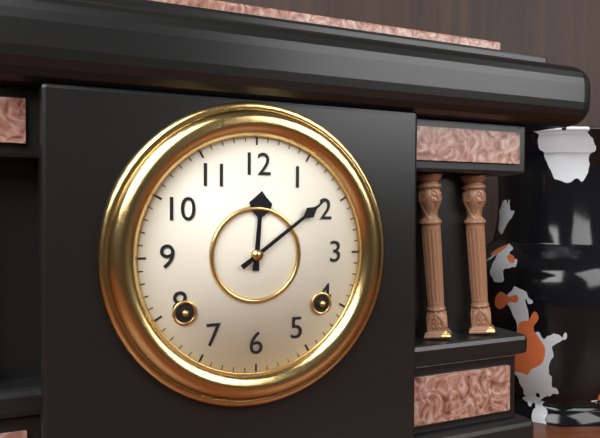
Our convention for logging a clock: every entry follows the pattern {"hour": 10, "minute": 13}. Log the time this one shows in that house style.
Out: {"hour": 12, "minute": 9}
